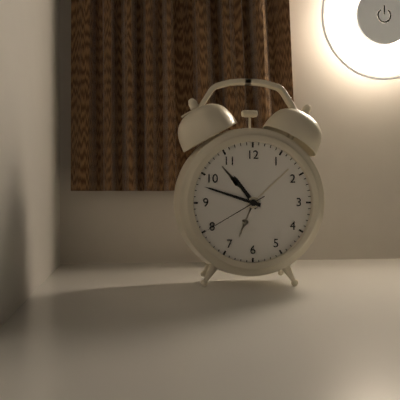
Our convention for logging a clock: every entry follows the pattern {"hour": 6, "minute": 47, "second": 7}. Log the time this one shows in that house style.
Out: {"hour": 10, "minute": 48, "second": 40}
